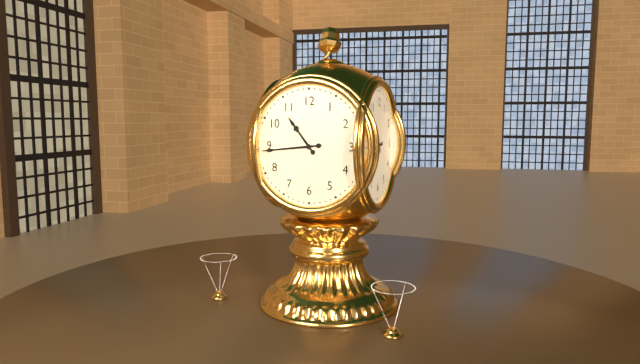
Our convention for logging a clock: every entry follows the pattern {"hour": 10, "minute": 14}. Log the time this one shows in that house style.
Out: {"hour": 10, "minute": 44}
